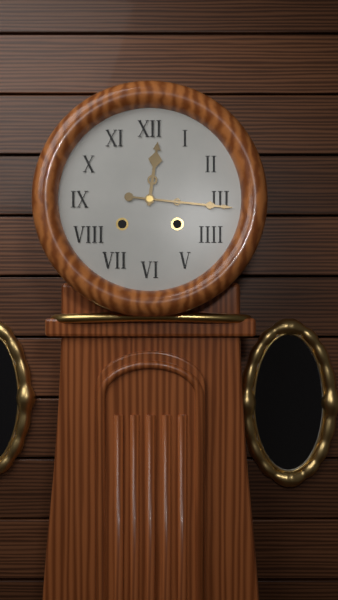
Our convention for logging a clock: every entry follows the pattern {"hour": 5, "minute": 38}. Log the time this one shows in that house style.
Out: {"hour": 12, "minute": 16}
